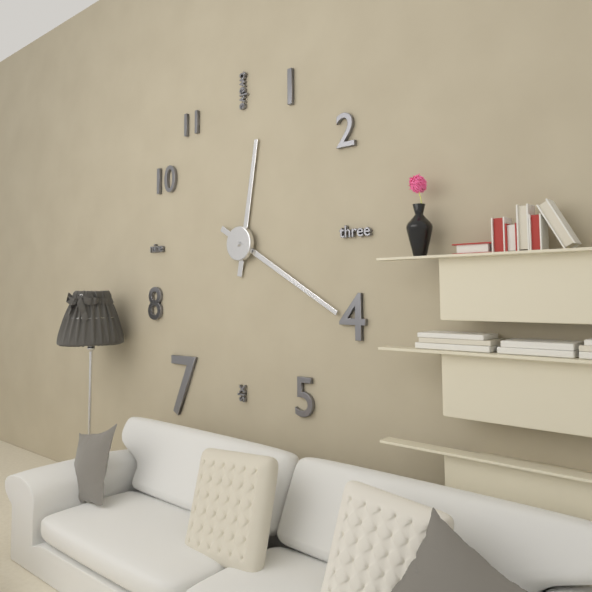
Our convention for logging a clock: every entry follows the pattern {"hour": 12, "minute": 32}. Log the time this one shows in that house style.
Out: {"hour": 12, "minute": 20}
